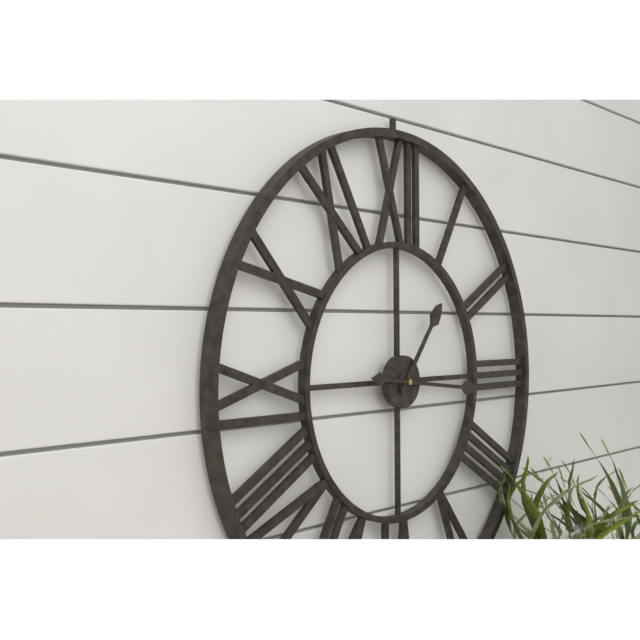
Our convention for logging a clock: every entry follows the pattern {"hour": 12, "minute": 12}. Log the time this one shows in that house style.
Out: {"hour": 1, "minute": 16}
